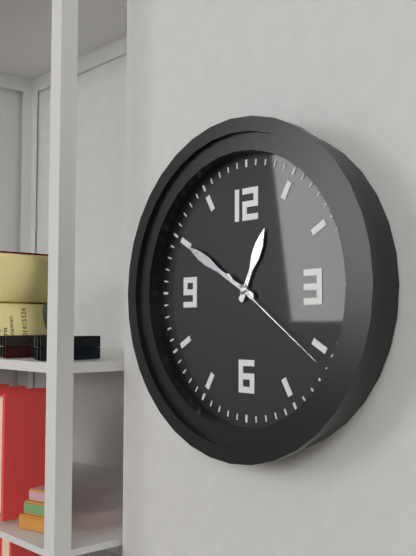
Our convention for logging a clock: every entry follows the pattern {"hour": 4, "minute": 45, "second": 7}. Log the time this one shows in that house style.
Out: {"hour": 12, "minute": 50, "second": 21}
